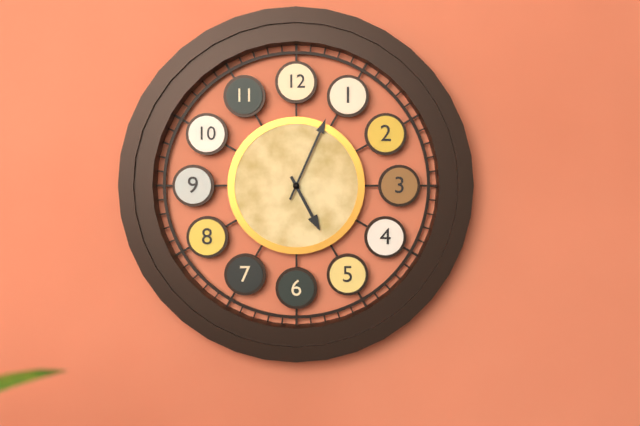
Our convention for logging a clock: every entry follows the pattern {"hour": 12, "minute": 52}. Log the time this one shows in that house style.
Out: {"hour": 5, "minute": 4}
